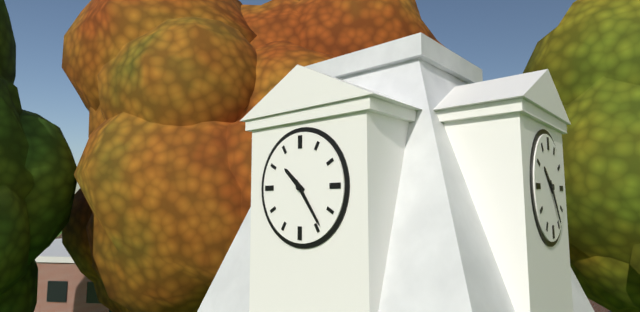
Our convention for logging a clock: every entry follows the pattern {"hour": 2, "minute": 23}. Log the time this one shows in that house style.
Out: {"hour": 10, "minute": 24}
